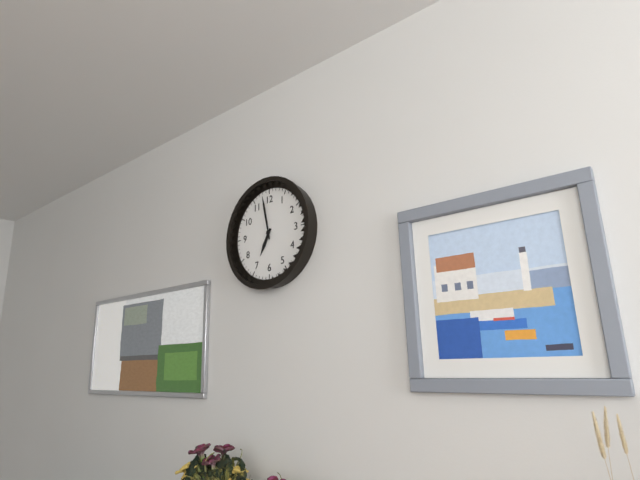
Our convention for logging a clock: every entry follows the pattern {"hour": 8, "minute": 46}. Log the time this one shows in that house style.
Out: {"hour": 6, "minute": 58}
